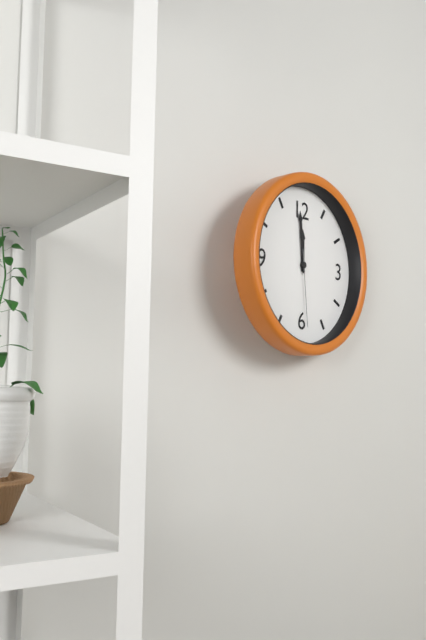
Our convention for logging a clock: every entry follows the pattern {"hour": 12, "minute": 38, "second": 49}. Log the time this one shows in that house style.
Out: {"hour": 11, "minute": 59, "second": 29}
